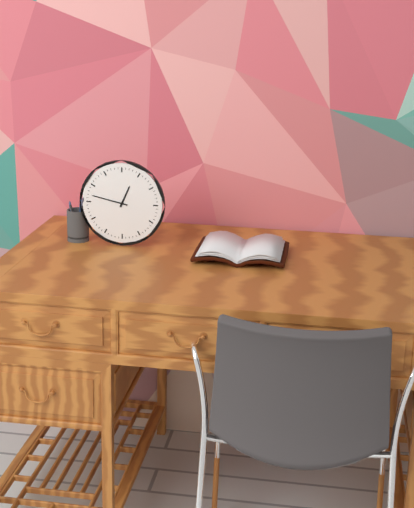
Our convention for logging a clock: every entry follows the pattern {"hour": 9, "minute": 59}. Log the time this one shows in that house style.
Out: {"hour": 12, "minute": 47}
